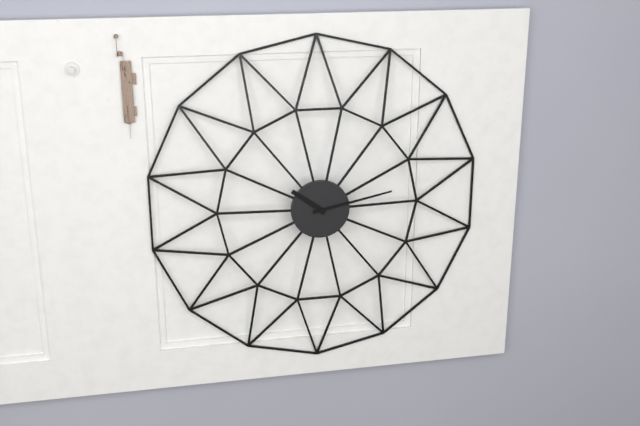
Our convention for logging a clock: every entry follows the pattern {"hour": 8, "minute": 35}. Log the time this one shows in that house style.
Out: {"hour": 10, "minute": 13}
